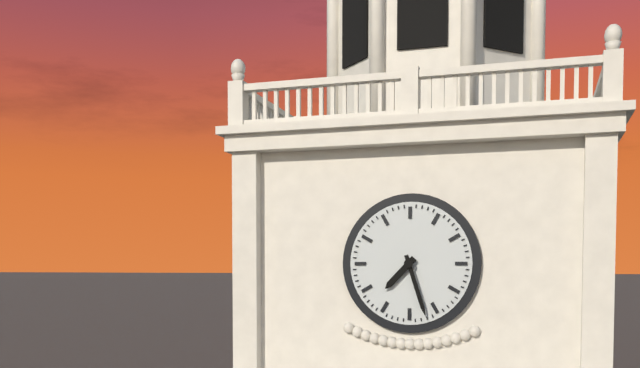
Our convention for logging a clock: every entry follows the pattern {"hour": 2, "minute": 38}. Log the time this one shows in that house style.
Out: {"hour": 7, "minute": 27}
